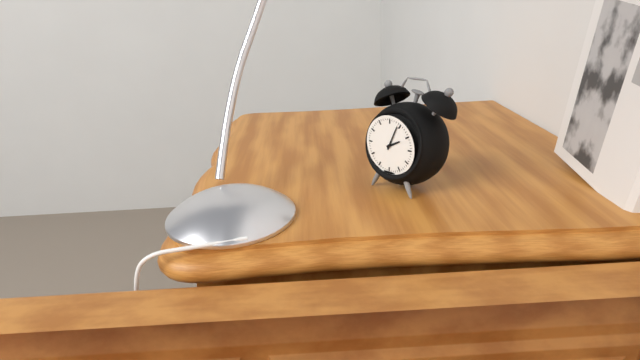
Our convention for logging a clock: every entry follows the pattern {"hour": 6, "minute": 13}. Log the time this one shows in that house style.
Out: {"hour": 2, "minute": 4}
